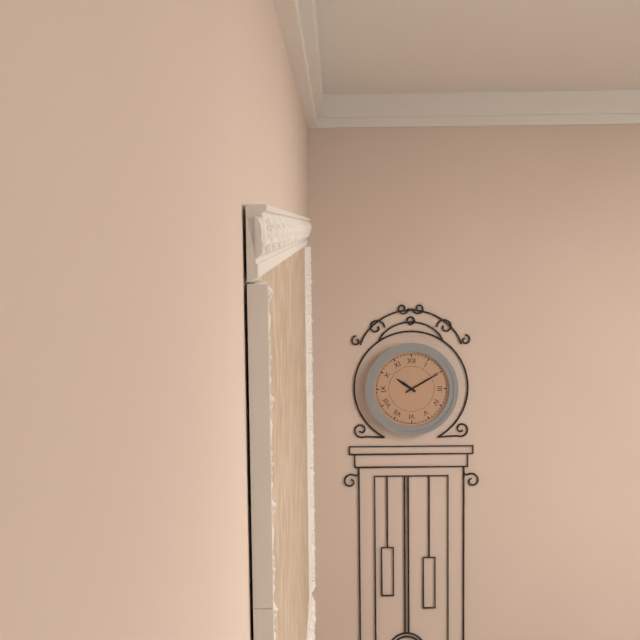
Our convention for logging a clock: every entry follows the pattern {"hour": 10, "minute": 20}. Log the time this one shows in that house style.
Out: {"hour": 10, "minute": 10}
